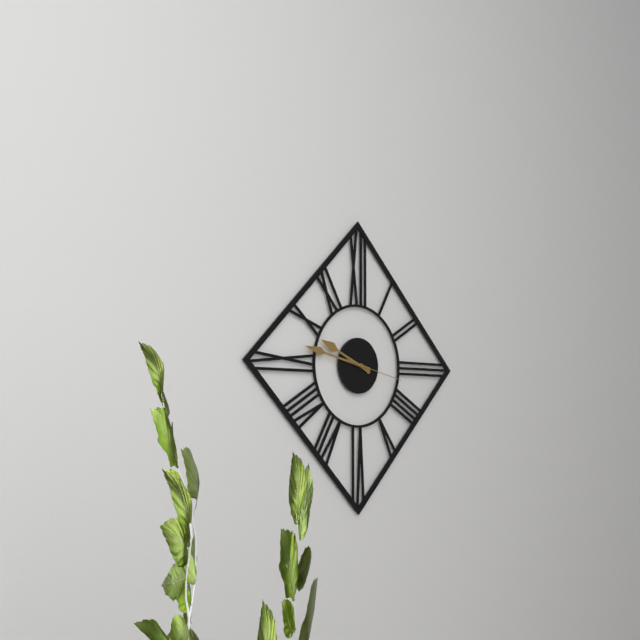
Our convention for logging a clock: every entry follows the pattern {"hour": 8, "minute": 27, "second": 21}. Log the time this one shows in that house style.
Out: {"hour": 9, "minute": 47, "second": 17}
